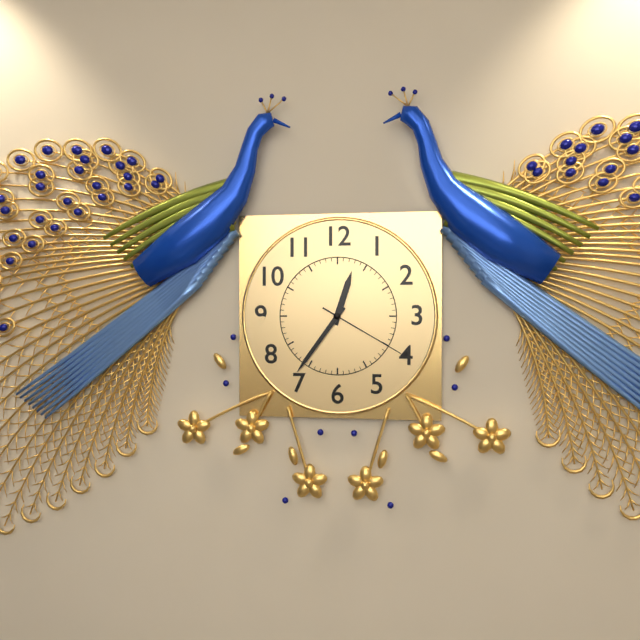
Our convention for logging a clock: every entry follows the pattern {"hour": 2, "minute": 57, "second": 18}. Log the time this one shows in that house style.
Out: {"hour": 12, "minute": 36, "second": 20}
